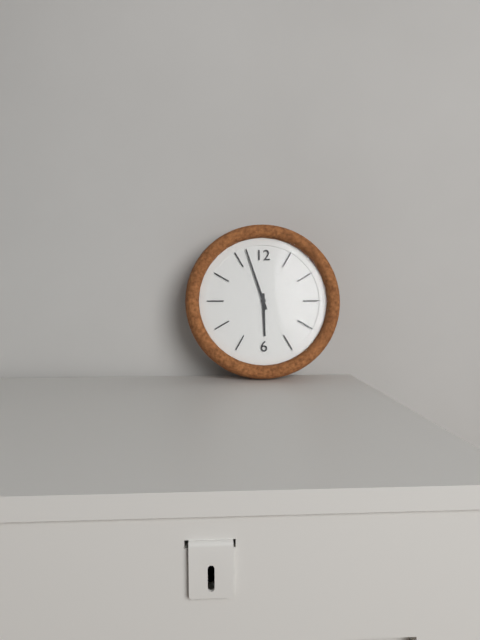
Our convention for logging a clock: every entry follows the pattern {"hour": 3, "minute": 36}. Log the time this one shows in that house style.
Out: {"hour": 5, "minute": 57}
